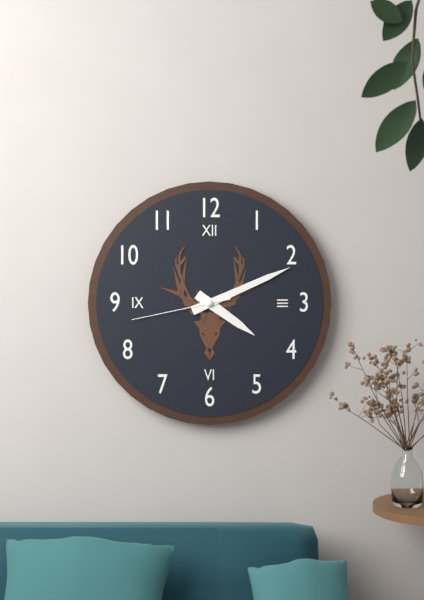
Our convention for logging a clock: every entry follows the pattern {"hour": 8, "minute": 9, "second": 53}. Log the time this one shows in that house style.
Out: {"hour": 4, "minute": 11, "second": 43}
